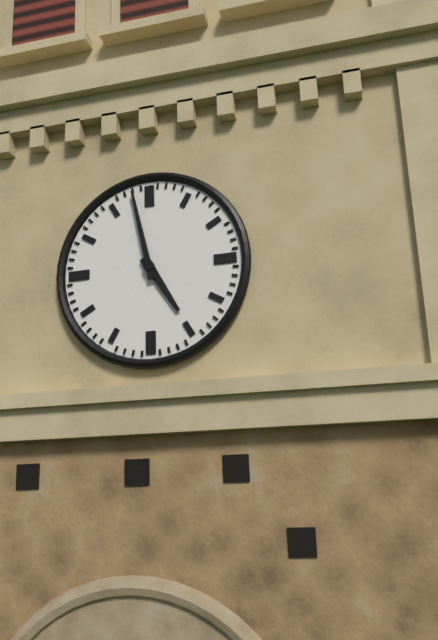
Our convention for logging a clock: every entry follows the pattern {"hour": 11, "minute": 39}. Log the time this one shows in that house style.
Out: {"hour": 4, "minute": 58}
